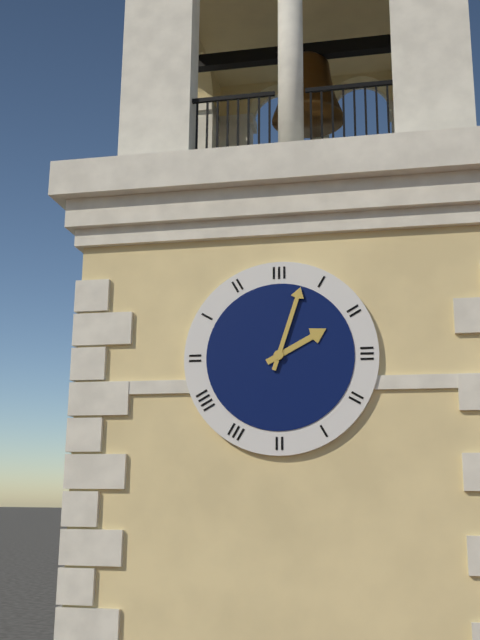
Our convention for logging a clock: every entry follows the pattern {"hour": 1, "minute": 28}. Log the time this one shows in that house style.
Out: {"hour": 2, "minute": 3}
